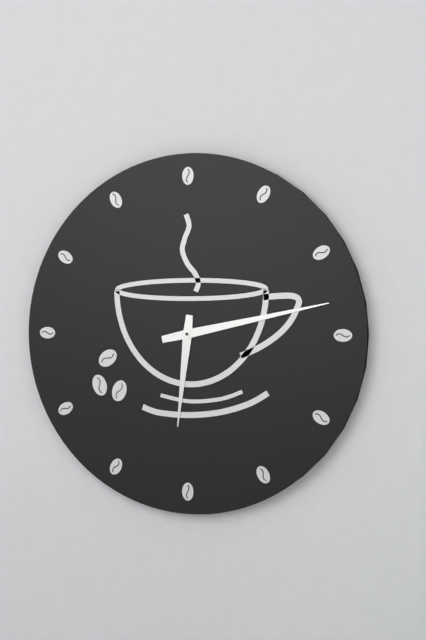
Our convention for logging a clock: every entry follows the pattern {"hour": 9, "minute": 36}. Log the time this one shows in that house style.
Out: {"hour": 6, "minute": 13}
